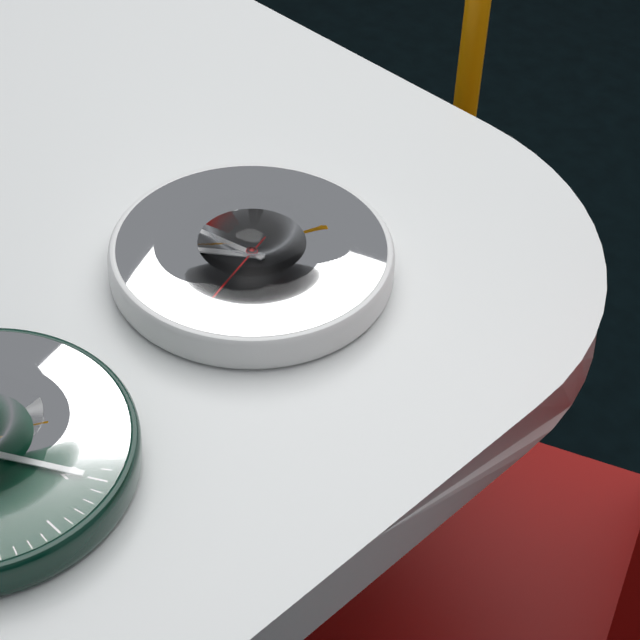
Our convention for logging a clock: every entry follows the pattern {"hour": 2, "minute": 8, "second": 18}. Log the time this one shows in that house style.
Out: {"hour": 7, "minute": 43, "second": 27}
